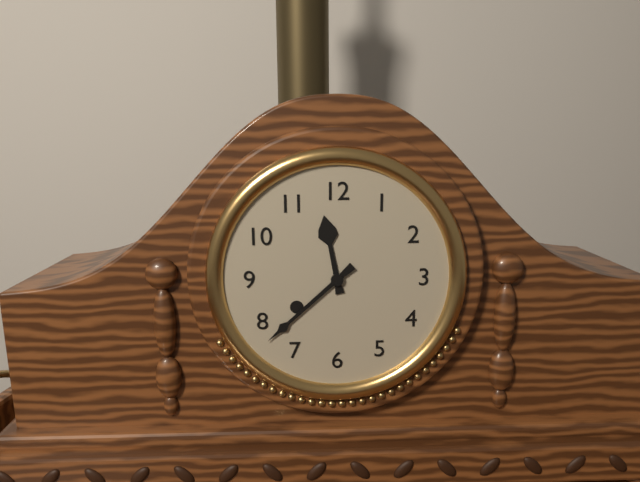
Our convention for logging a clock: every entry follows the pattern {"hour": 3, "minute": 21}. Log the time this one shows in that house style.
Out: {"hour": 11, "minute": 38}
